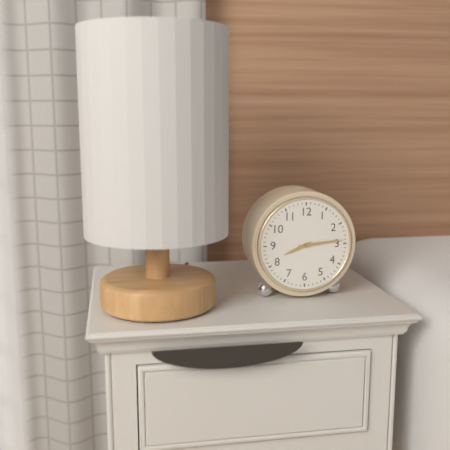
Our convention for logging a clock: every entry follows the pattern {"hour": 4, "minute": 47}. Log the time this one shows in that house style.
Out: {"hour": 8, "minute": 14}
